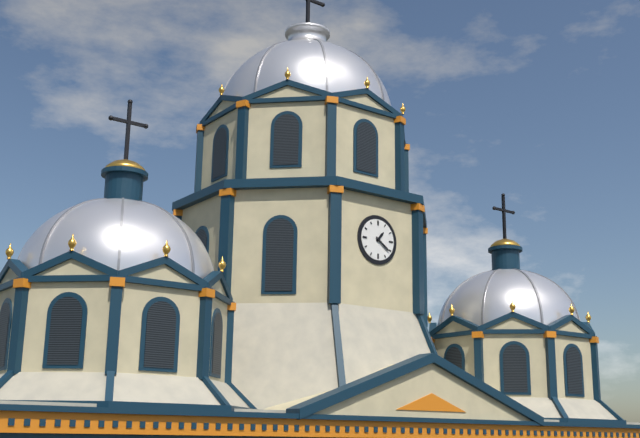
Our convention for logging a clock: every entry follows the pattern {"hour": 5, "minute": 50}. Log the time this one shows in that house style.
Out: {"hour": 1, "minute": 21}
